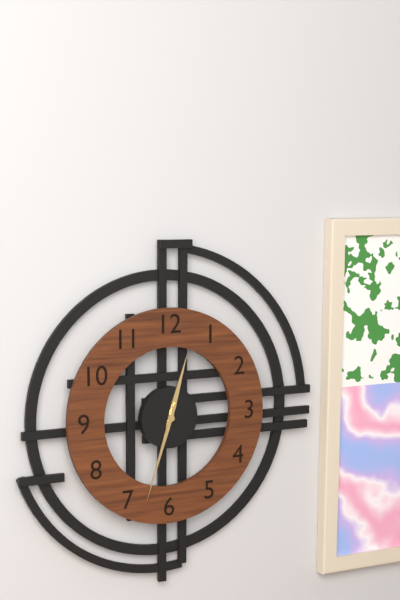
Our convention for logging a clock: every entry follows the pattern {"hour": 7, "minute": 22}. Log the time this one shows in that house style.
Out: {"hour": 12, "minute": 33}
